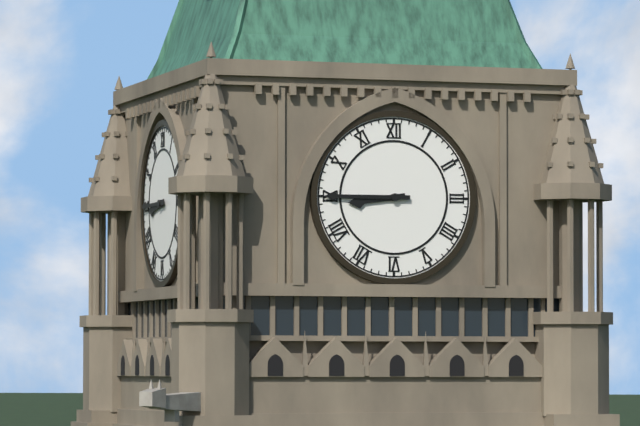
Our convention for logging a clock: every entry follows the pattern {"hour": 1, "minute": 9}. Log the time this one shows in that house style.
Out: {"hour": 8, "minute": 45}
